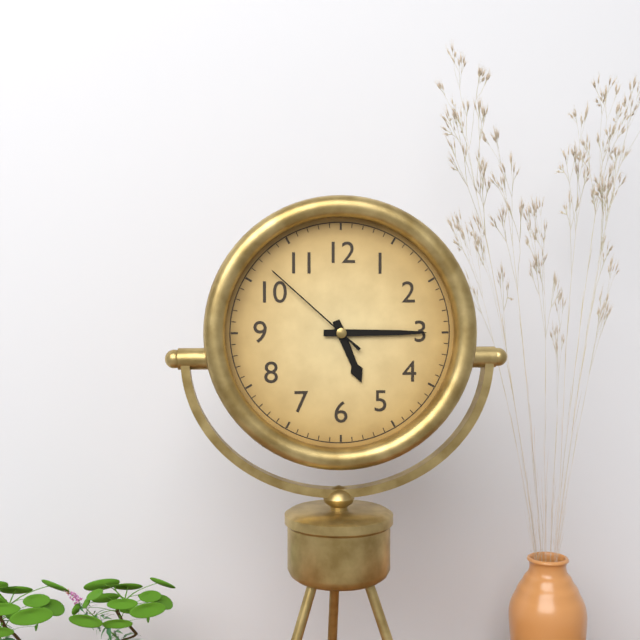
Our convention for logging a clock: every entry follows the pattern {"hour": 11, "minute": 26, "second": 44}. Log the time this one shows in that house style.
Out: {"hour": 5, "minute": 15, "second": 52}
